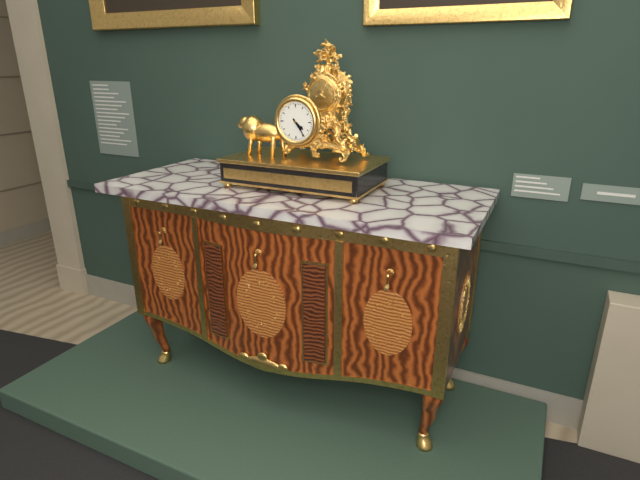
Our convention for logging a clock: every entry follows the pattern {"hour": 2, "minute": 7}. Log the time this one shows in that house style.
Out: {"hour": 4, "minute": 24}
